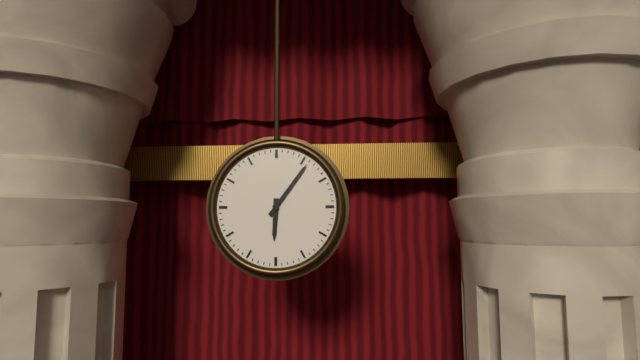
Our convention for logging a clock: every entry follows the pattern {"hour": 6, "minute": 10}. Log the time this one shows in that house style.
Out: {"hour": 6, "minute": 6}
